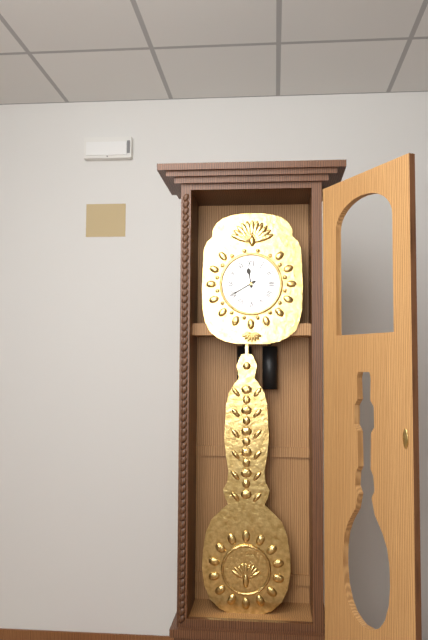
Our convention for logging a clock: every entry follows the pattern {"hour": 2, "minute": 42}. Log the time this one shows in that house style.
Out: {"hour": 11, "minute": 40}
